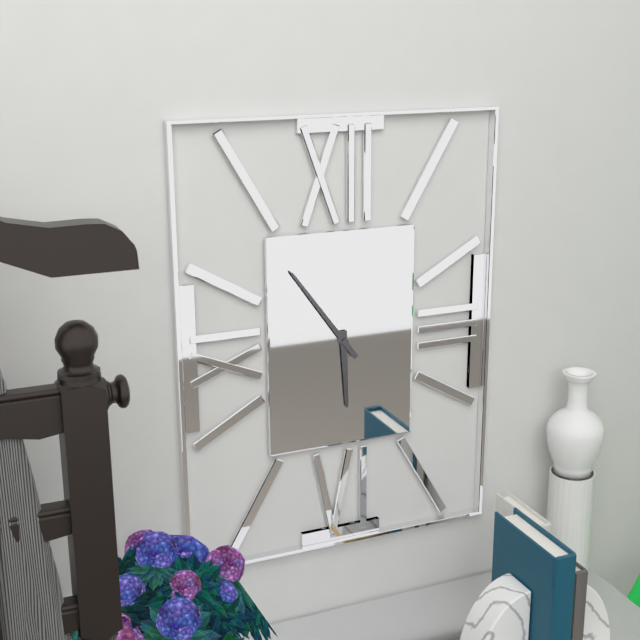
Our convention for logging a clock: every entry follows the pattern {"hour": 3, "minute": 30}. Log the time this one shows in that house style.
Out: {"hour": 5, "minute": 54}
